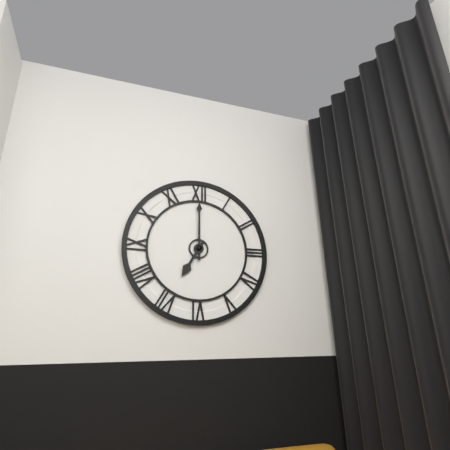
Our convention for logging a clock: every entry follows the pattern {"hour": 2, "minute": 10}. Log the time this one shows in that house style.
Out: {"hour": 7, "minute": 0}
